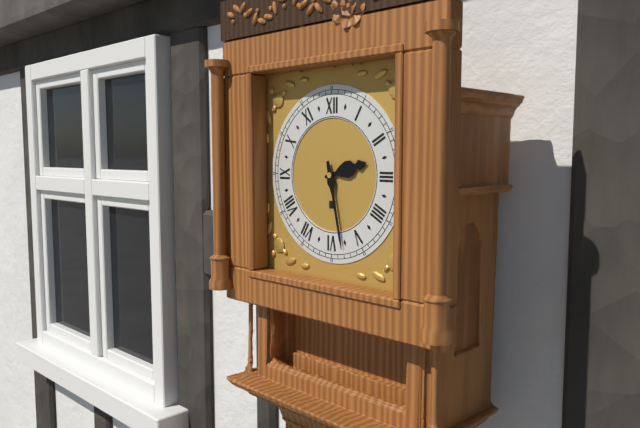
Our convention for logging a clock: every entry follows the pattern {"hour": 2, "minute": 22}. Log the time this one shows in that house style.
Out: {"hour": 2, "minute": 28}
